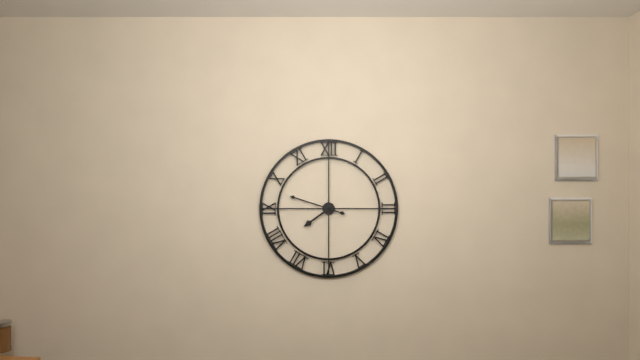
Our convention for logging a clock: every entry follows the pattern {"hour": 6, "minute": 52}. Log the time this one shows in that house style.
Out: {"hour": 7, "minute": 48}
